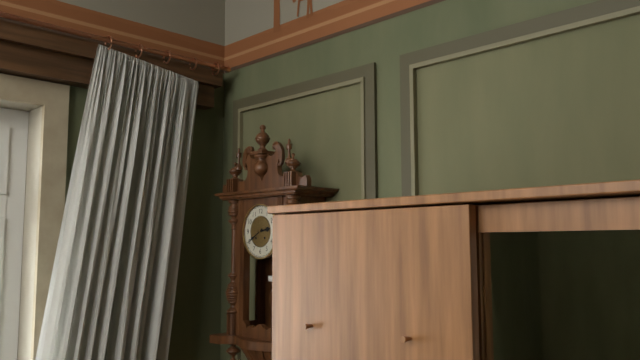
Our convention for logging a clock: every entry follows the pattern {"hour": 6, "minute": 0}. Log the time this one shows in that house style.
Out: {"hour": 2, "minute": 40}
